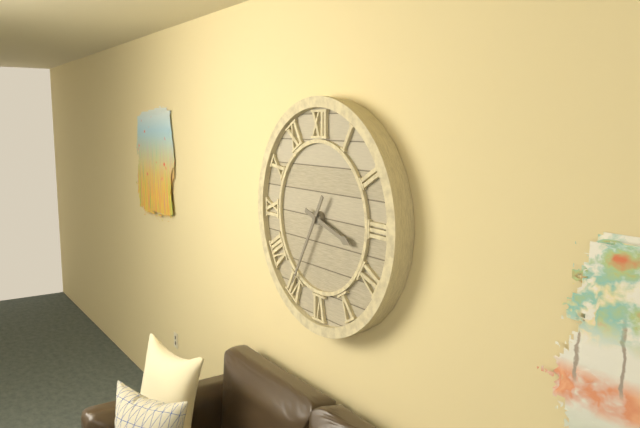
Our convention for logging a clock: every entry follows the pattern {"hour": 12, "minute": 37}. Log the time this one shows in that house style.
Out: {"hour": 3, "minute": 35}
